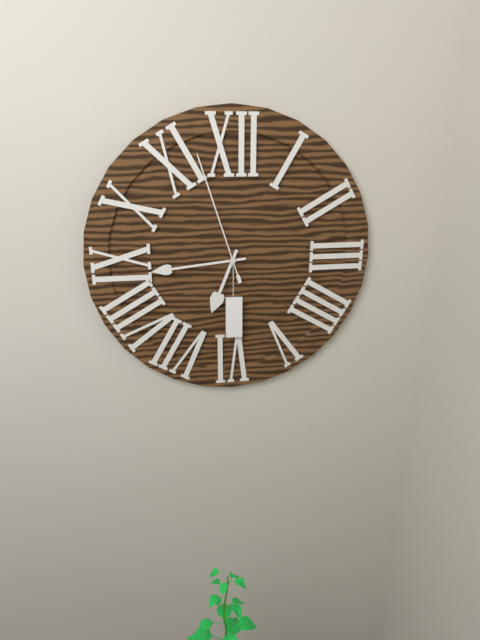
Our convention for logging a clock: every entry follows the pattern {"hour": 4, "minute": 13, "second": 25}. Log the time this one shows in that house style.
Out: {"hour": 6, "minute": 44, "second": 57}
